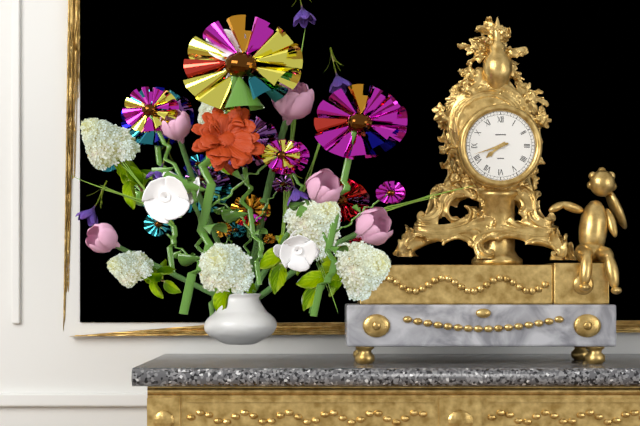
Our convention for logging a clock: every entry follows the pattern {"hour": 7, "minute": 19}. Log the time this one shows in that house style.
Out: {"hour": 7, "minute": 42}
